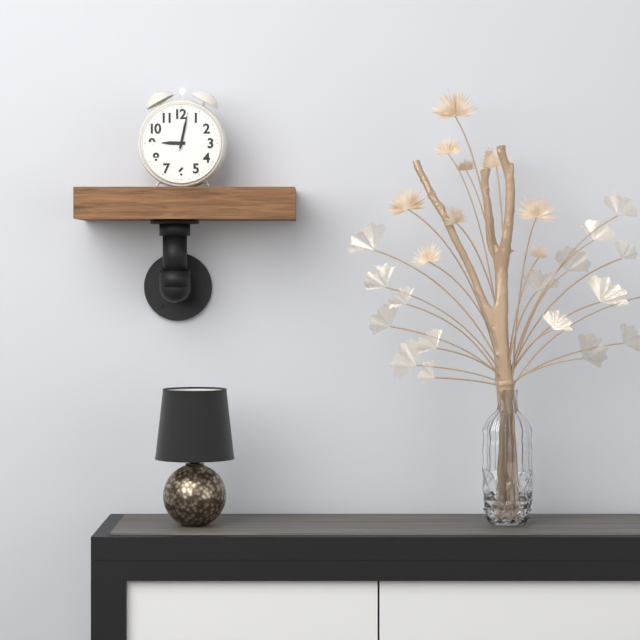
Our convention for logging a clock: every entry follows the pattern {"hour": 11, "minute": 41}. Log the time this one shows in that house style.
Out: {"hour": 9, "minute": 2}
